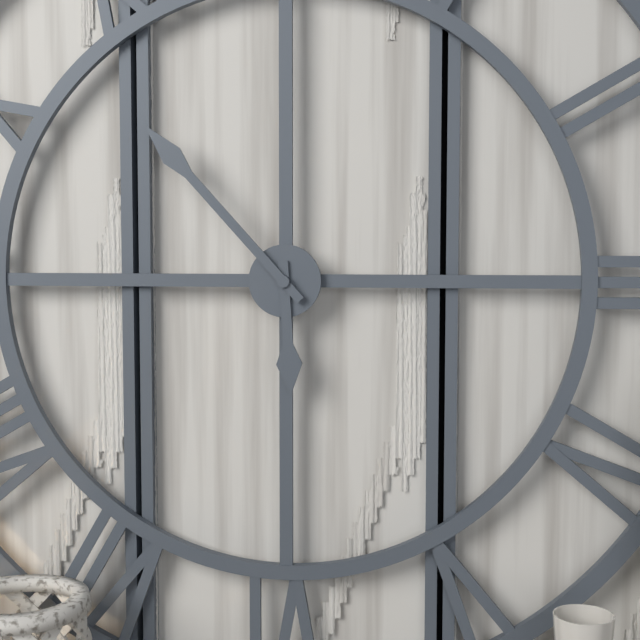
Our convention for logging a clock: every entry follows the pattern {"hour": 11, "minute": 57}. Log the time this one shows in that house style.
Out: {"hour": 5, "minute": 53}
